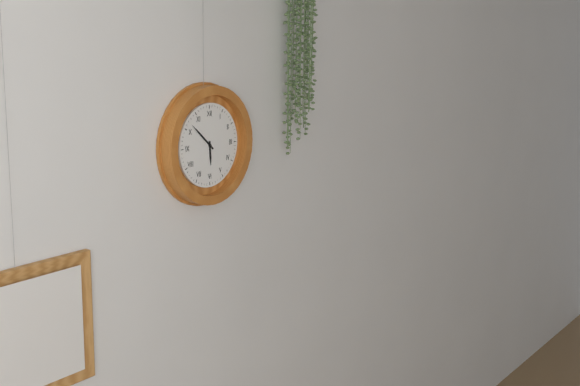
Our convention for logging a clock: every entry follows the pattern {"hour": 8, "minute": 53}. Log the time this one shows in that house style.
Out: {"hour": 5, "minute": 52}
